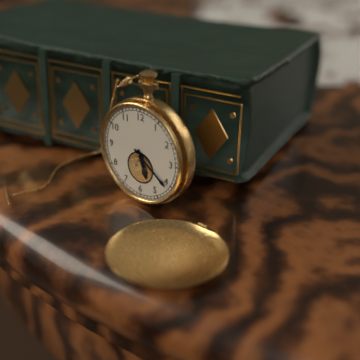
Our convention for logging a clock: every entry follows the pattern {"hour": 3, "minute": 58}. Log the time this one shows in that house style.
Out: {"hour": 5, "minute": 21}
